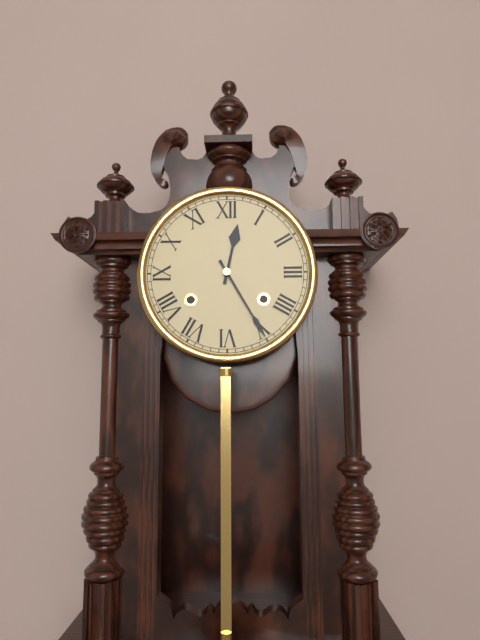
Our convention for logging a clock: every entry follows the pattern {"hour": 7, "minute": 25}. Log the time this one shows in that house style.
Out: {"hour": 12, "minute": 25}
